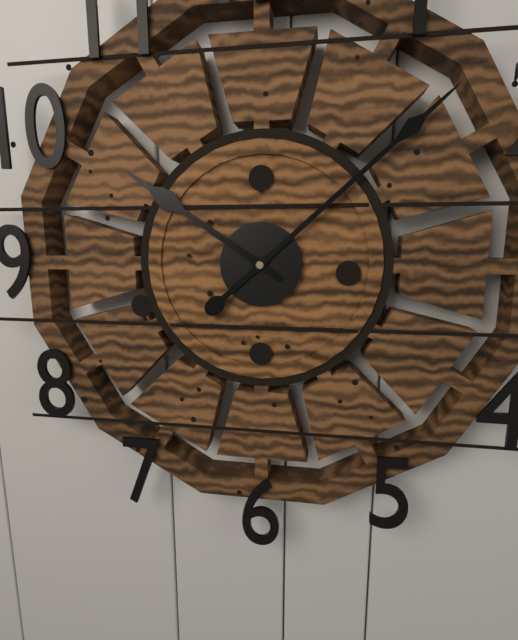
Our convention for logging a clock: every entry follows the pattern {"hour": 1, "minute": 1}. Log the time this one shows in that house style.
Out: {"hour": 10, "minute": 8}
